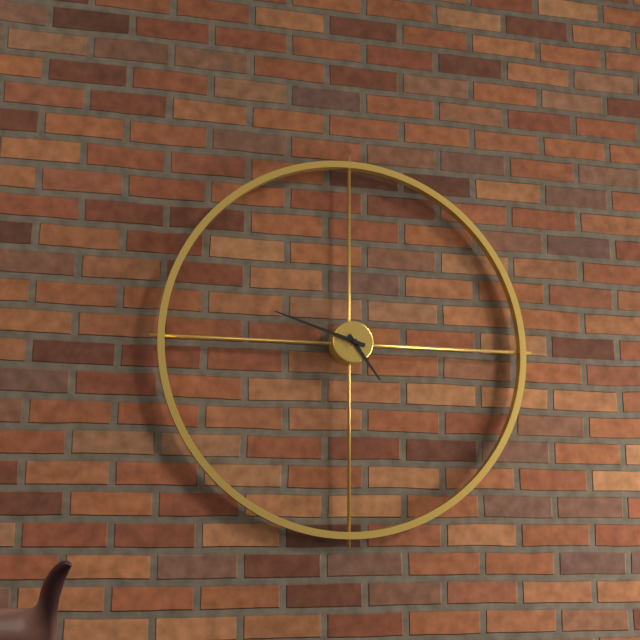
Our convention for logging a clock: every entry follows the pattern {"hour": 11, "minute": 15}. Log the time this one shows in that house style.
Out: {"hour": 4, "minute": 48}
